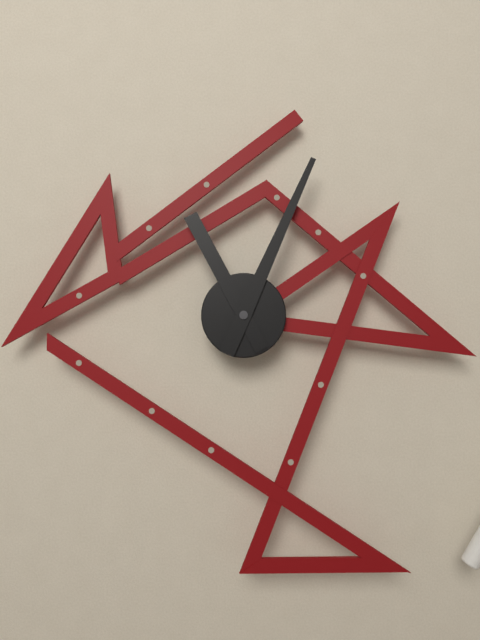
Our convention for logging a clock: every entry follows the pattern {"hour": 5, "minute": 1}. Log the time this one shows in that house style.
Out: {"hour": 11, "minute": 4}
